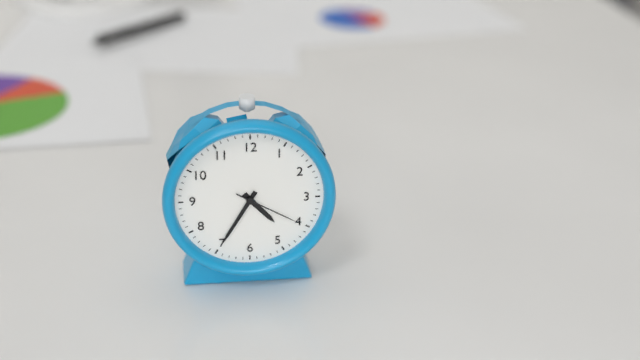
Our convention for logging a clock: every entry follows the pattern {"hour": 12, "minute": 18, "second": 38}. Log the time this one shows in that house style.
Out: {"hour": 4, "minute": 35, "second": 20}
